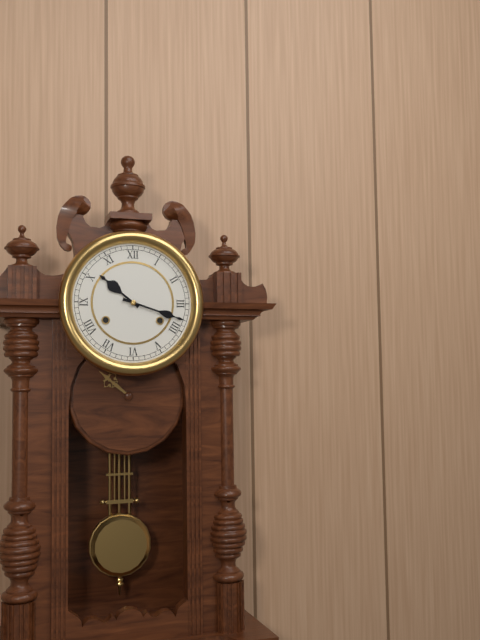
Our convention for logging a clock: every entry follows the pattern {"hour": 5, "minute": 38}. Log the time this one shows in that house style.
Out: {"hour": 10, "minute": 18}
